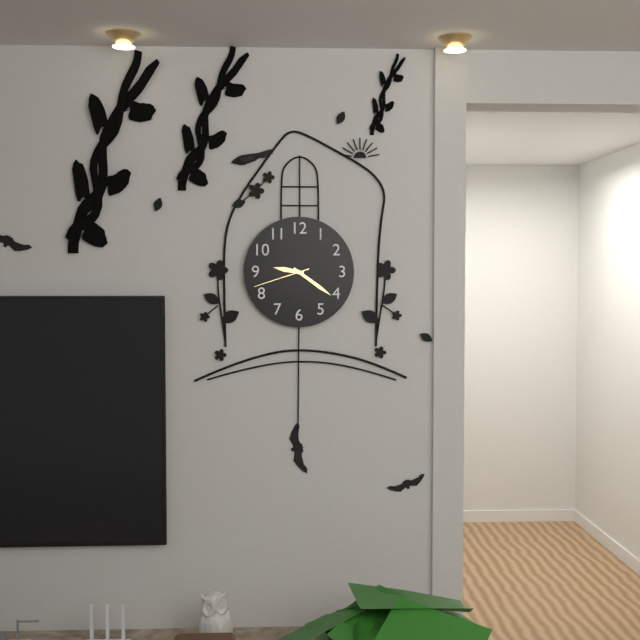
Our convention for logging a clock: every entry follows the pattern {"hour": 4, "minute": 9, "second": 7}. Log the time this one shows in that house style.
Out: {"hour": 9, "minute": 21, "second": 42}
